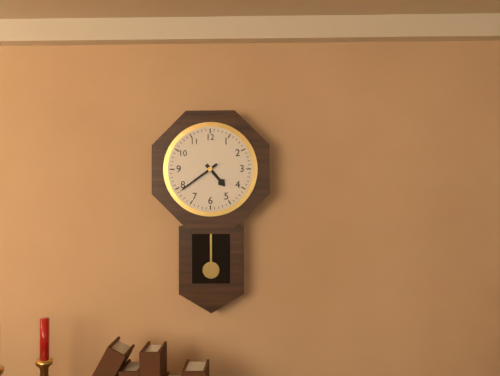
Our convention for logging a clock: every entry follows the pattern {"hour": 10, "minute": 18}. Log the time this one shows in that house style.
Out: {"hour": 4, "minute": 39}
